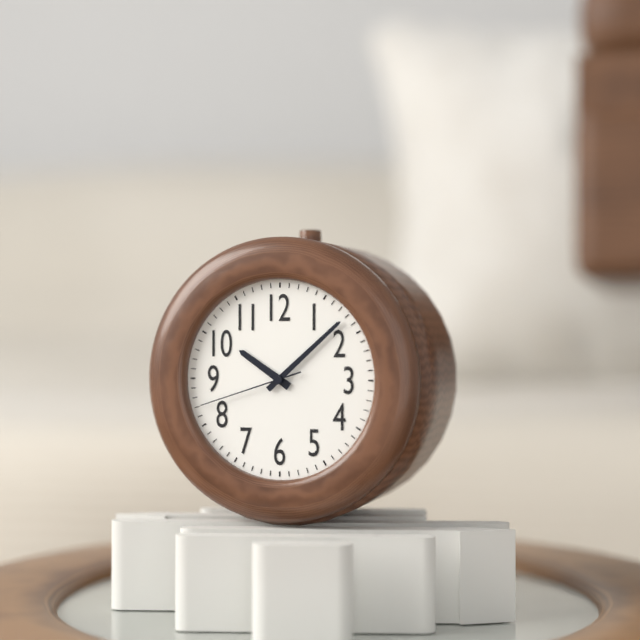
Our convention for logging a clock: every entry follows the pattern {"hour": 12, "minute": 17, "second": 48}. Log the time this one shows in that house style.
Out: {"hour": 10, "minute": 8, "second": 42}
